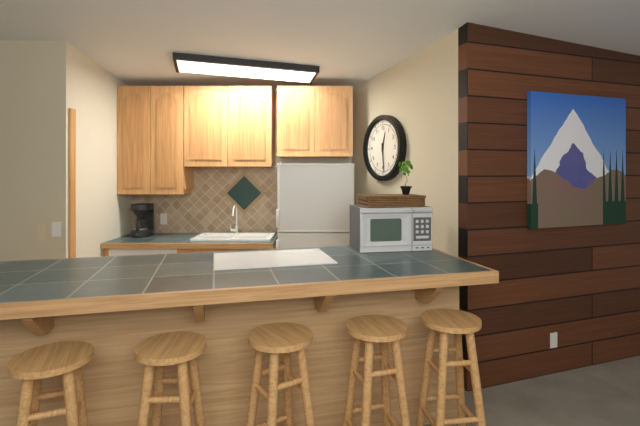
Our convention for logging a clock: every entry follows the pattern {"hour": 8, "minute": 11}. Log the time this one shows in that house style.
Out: {"hour": 12, "minute": 29}
